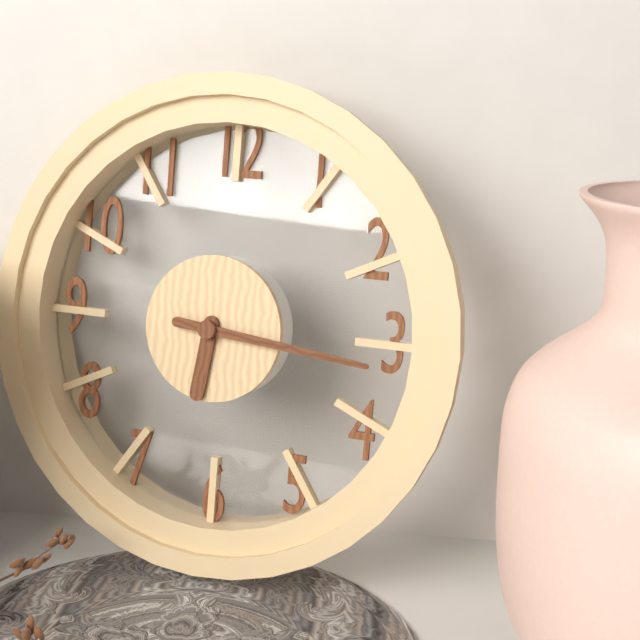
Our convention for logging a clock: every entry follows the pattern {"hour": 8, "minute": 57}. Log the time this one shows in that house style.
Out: {"hour": 6, "minute": 16}
